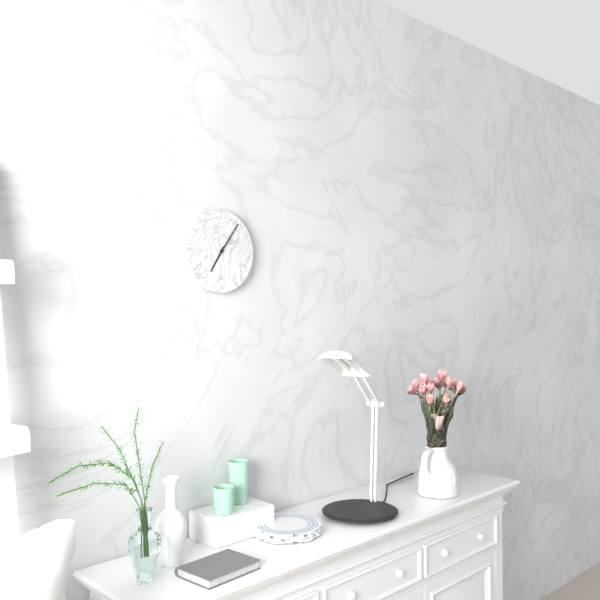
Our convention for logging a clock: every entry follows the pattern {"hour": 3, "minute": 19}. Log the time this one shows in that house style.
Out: {"hour": 7, "minute": 6}
